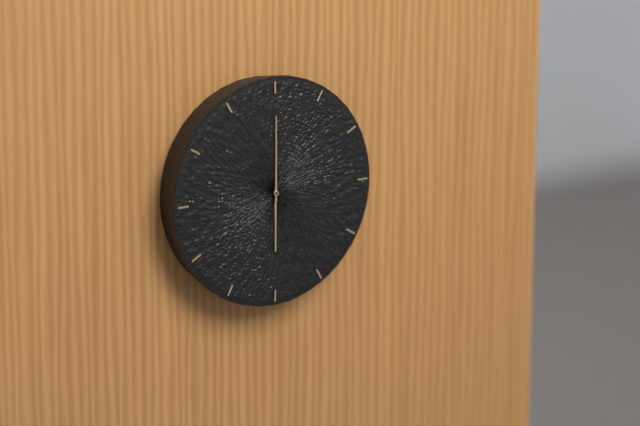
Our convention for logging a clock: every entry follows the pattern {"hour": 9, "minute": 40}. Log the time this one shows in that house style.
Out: {"hour": 6, "minute": 0}
